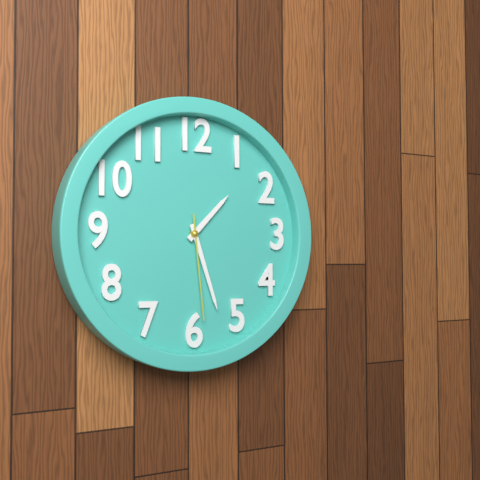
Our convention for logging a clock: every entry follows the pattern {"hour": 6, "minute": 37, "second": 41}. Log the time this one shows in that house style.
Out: {"hour": 1, "minute": 27, "second": 29}
